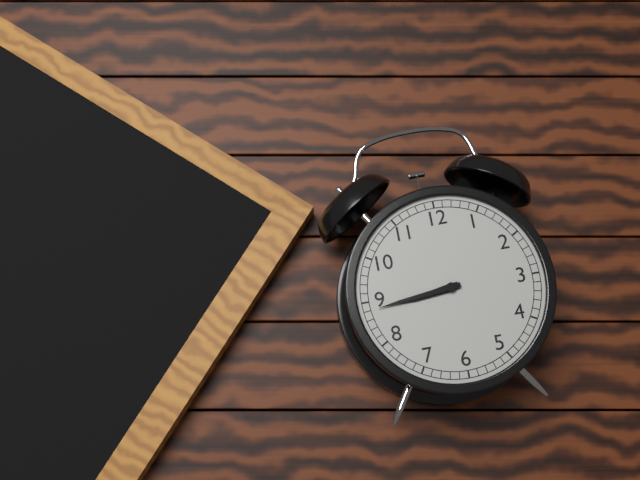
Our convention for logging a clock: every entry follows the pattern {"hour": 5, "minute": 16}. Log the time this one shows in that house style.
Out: {"hour": 8, "minute": 44}
